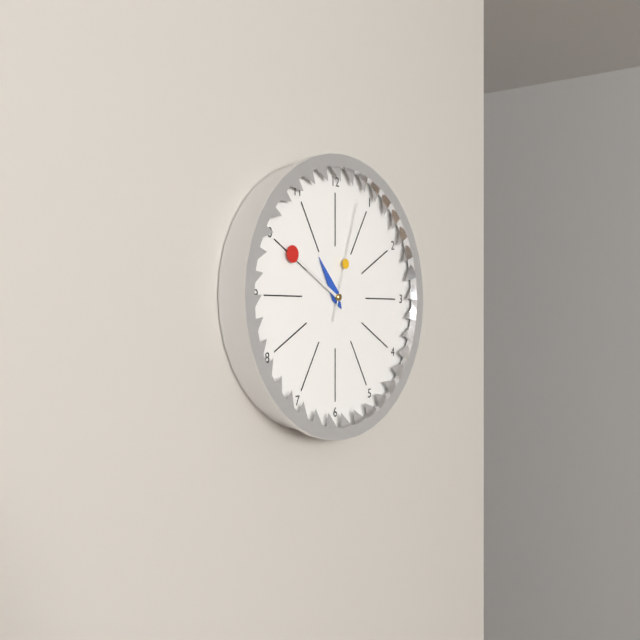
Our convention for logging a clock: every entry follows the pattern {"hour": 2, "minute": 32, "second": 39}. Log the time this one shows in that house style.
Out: {"hour": 10, "minute": 50, "second": 3}
